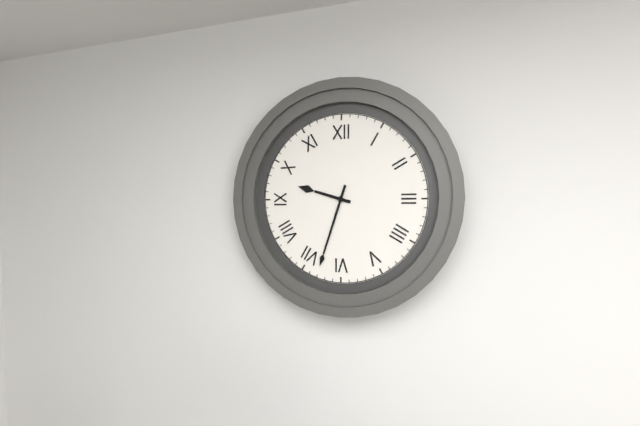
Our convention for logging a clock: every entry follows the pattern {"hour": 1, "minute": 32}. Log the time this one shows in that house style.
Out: {"hour": 9, "minute": 33}
